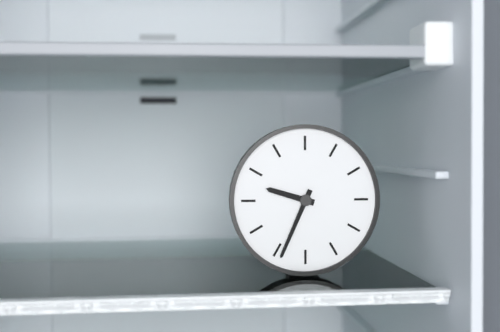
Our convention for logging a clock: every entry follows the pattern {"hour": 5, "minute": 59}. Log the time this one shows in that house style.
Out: {"hour": 9, "minute": 34}
